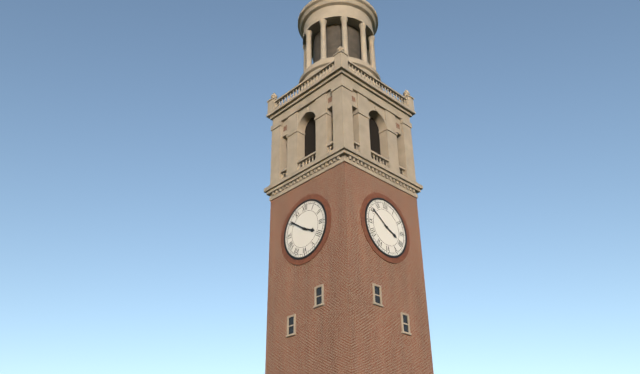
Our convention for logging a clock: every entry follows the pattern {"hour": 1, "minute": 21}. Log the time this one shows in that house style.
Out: {"hour": 3, "minute": 51}
